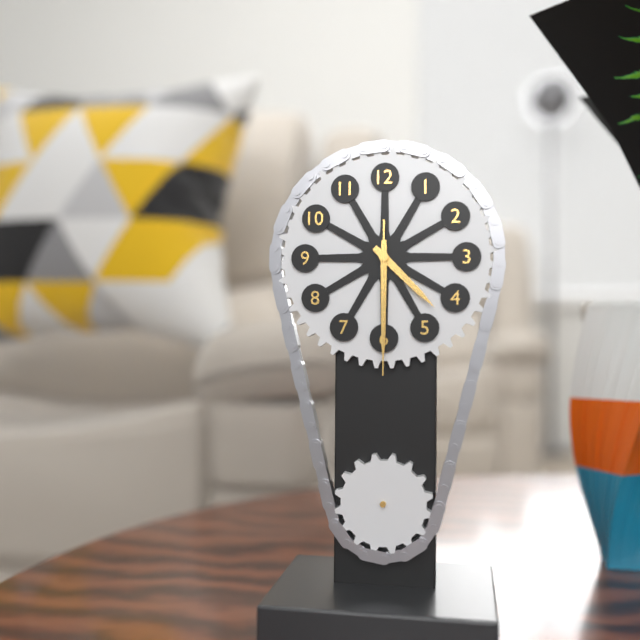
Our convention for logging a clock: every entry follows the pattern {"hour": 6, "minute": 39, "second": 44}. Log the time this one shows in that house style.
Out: {"hour": 4, "minute": 30, "second": 30}
